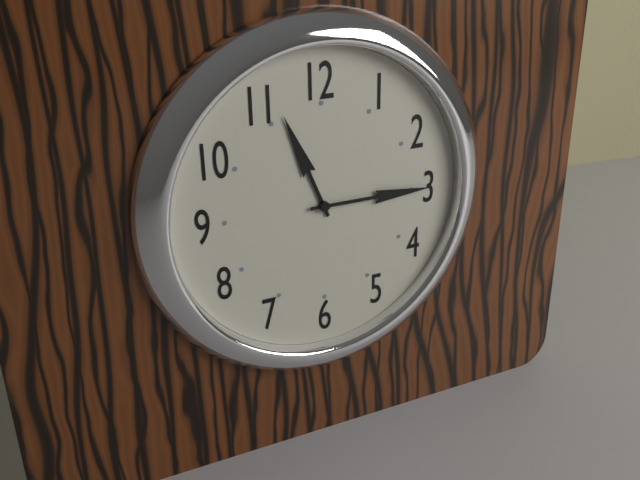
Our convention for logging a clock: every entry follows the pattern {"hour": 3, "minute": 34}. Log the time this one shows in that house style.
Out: {"hour": 11, "minute": 15}
